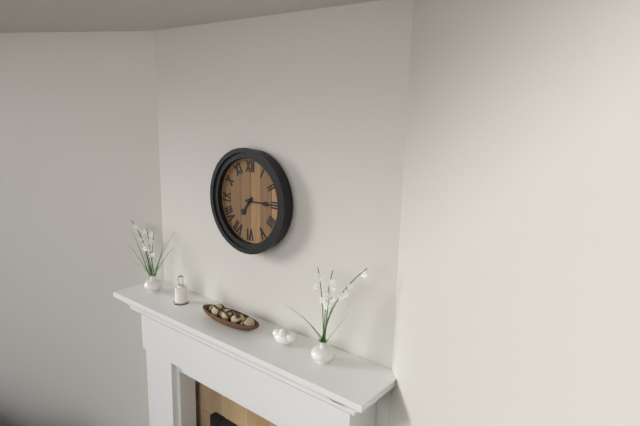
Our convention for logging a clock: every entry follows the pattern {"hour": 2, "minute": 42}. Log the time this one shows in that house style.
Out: {"hour": 7, "minute": 15}
